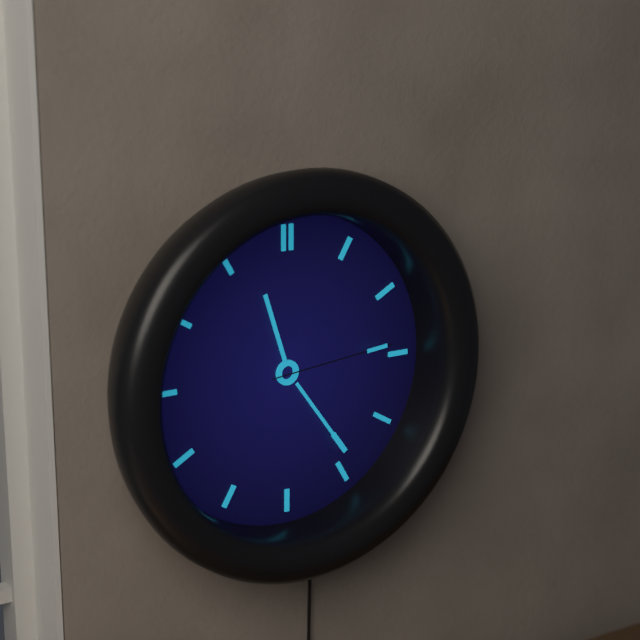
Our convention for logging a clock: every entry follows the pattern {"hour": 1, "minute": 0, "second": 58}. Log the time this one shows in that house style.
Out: {"hour": 11, "minute": 24, "second": 14}
